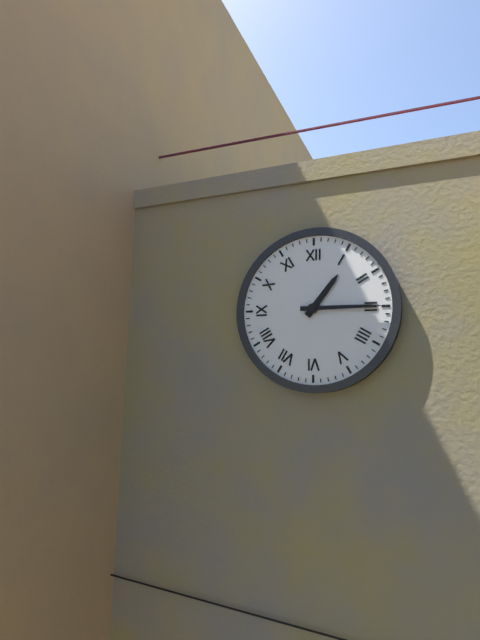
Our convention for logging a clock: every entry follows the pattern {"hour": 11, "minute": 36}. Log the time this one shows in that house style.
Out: {"hour": 1, "minute": 15}
